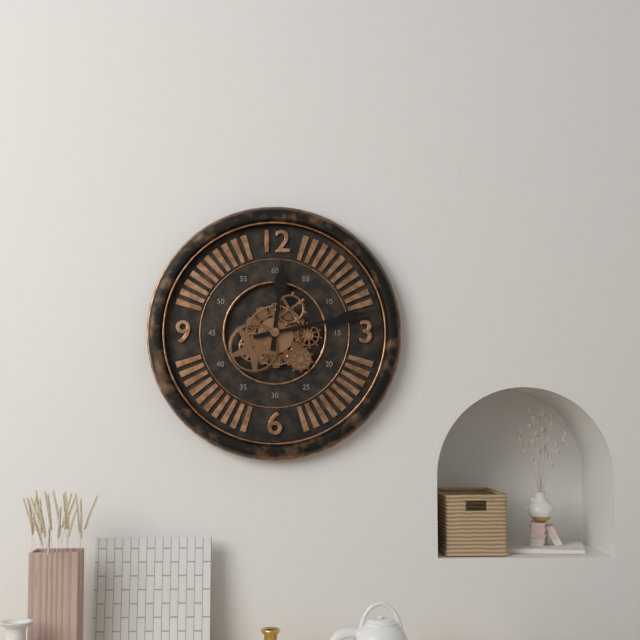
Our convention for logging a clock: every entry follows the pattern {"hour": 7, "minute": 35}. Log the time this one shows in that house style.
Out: {"hour": 12, "minute": 13}
